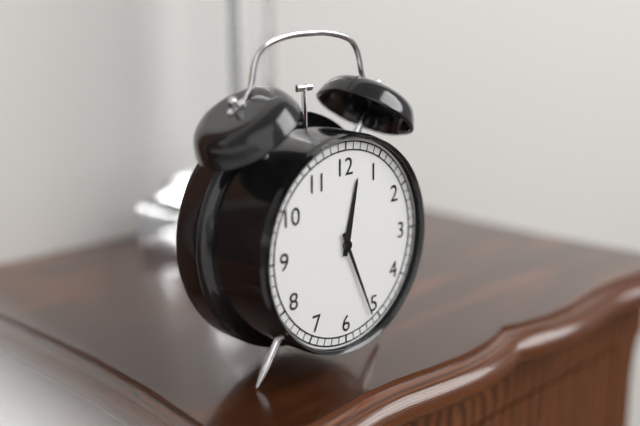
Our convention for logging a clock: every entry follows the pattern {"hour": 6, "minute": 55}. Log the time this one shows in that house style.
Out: {"hour": 12, "minute": 26}
